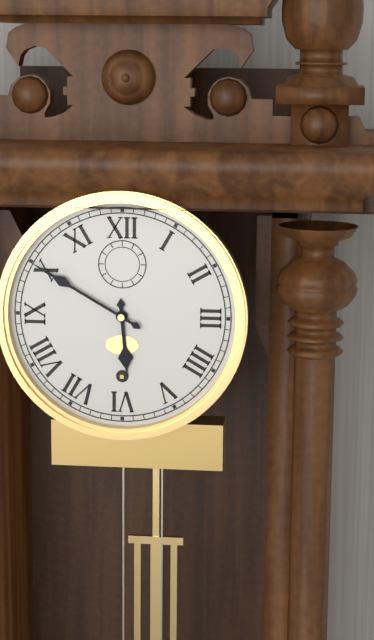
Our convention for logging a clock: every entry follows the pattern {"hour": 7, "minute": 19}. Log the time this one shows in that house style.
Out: {"hour": 5, "minute": 50}
